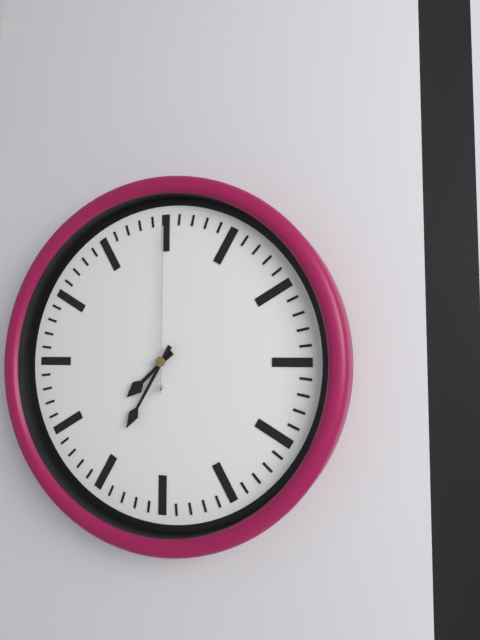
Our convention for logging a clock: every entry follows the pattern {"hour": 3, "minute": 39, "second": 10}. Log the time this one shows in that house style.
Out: {"hour": 7, "minute": 35, "second": 0}
